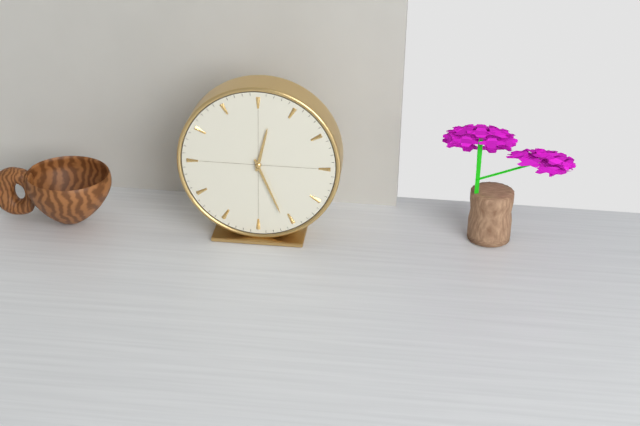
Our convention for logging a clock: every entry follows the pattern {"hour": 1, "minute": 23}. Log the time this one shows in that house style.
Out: {"hour": 12, "minute": 26}
